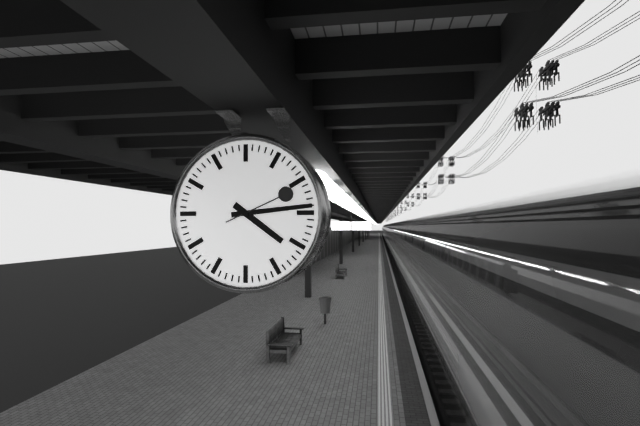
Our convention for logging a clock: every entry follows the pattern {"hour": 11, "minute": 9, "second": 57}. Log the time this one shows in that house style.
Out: {"hour": 4, "minute": 14, "second": 11}
